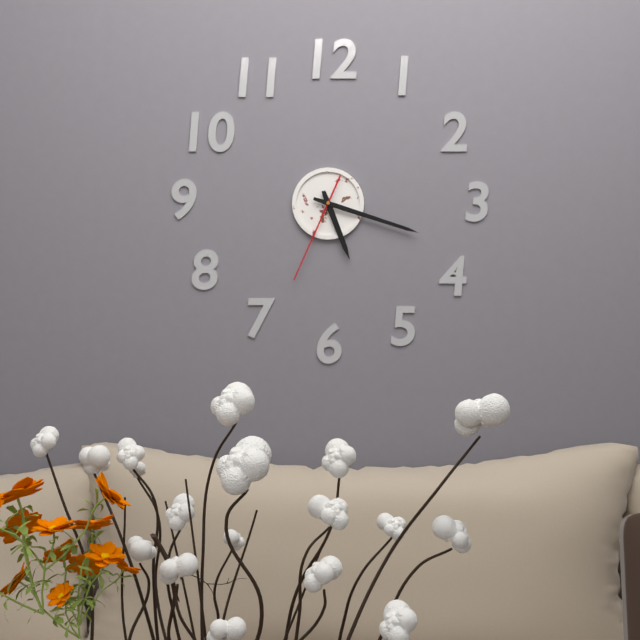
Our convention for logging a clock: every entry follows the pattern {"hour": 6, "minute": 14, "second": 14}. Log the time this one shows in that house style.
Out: {"hour": 5, "minute": 18, "second": 34}
